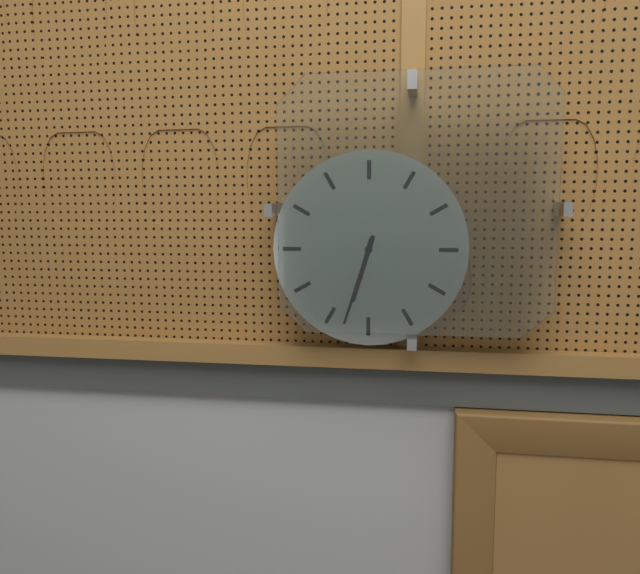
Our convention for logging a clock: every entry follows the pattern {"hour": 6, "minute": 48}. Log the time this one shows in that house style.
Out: {"hour": 6, "minute": 33}
